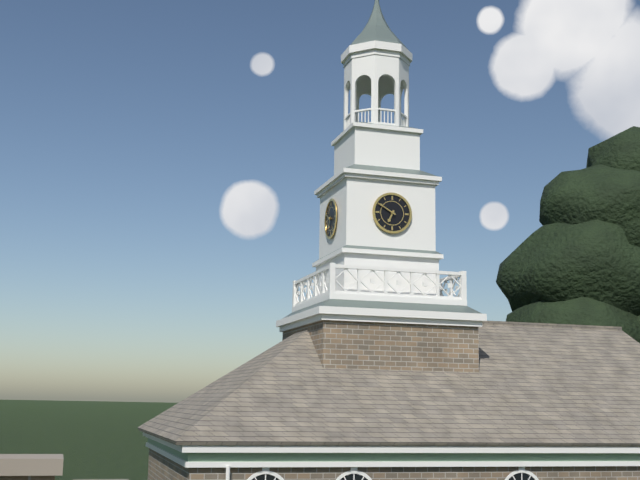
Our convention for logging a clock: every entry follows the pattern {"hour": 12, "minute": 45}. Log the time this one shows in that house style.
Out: {"hour": 6, "minute": 50}
